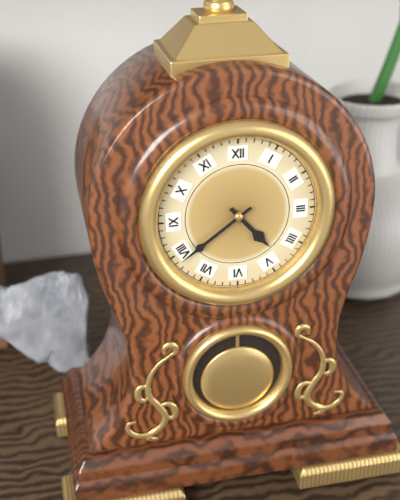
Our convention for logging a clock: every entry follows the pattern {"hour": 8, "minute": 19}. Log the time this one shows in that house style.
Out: {"hour": 4, "minute": 39}
